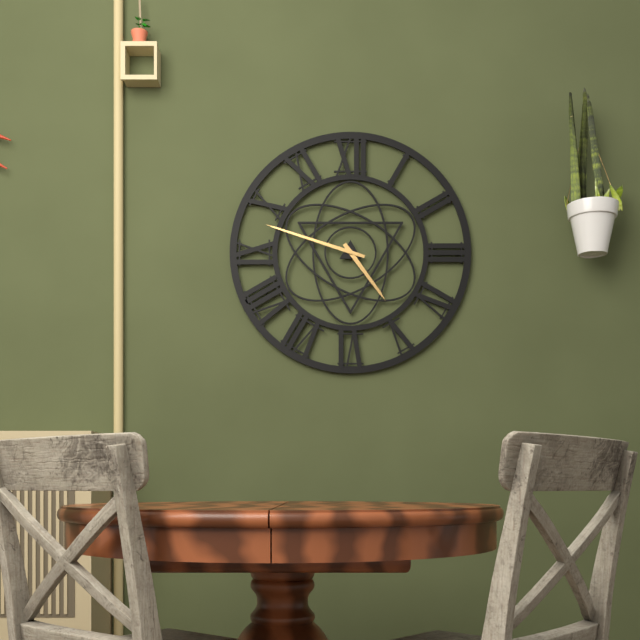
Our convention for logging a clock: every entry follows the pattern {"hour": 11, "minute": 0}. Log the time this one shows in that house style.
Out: {"hour": 4, "minute": 48}
